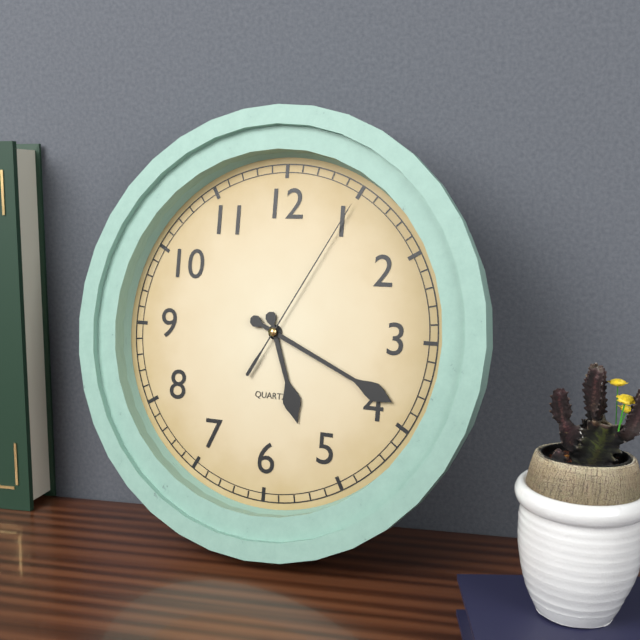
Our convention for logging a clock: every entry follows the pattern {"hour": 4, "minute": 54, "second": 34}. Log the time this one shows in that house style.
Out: {"hour": 5, "minute": 19, "second": 5}
